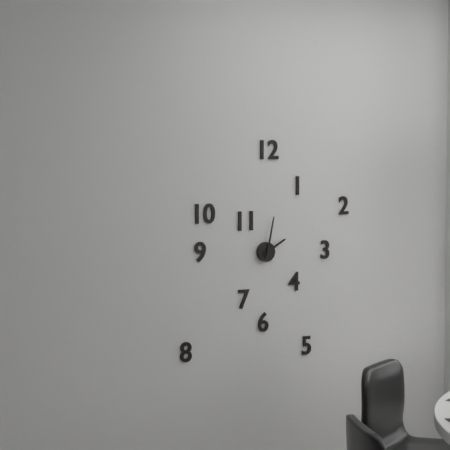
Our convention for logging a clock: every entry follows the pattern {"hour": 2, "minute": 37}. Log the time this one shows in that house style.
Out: {"hour": 2, "minute": 2}
